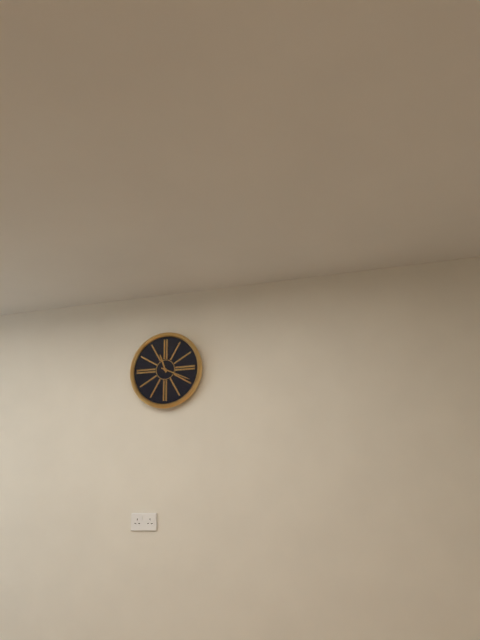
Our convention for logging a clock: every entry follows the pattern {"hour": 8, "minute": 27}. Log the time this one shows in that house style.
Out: {"hour": 11, "minute": 19}
